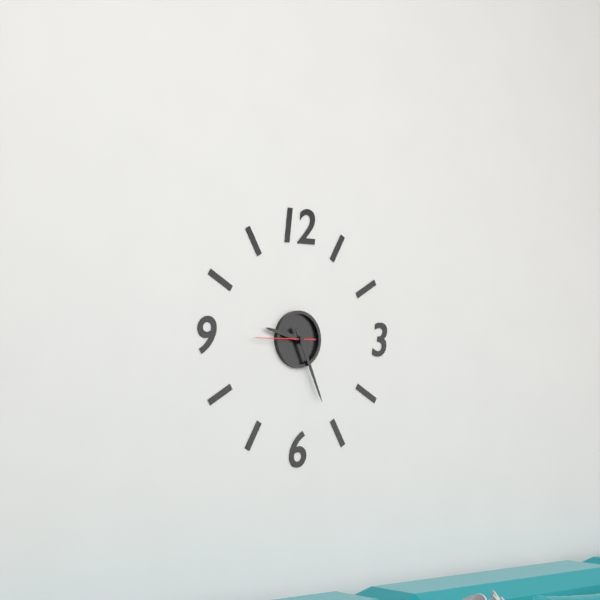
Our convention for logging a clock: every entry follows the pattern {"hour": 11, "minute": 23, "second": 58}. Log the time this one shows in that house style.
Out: {"hour": 9, "minute": 26, "second": 45}
